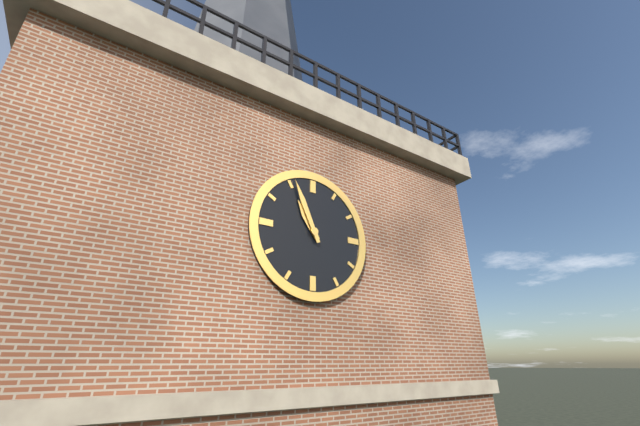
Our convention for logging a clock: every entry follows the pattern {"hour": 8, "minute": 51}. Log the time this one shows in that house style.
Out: {"hour": 10, "minute": 56}
